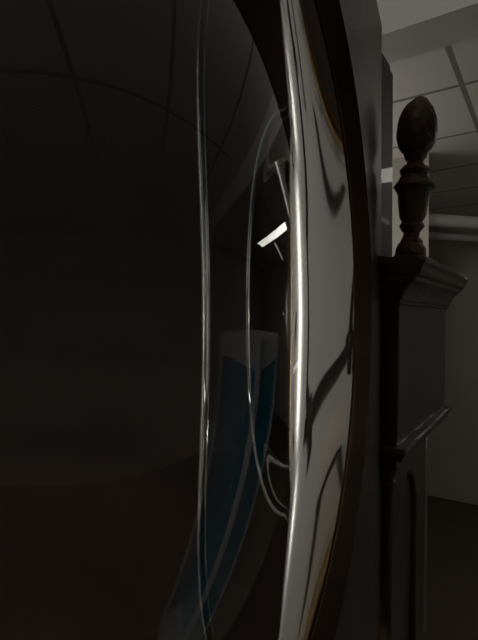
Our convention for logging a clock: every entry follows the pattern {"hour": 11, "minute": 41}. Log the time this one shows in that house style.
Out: {"hour": 8, "minute": 2}
